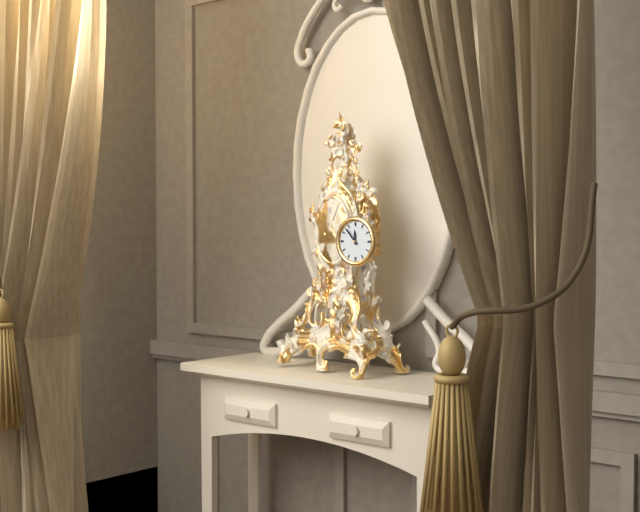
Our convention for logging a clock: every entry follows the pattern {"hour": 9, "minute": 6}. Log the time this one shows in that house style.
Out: {"hour": 11, "minute": 53}
